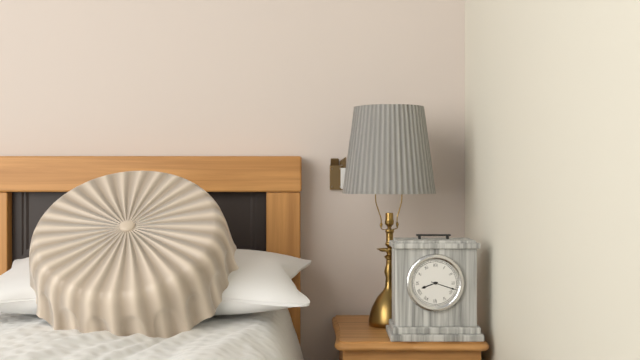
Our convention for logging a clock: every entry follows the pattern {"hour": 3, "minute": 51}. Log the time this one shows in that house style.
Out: {"hour": 8, "minute": 18}
